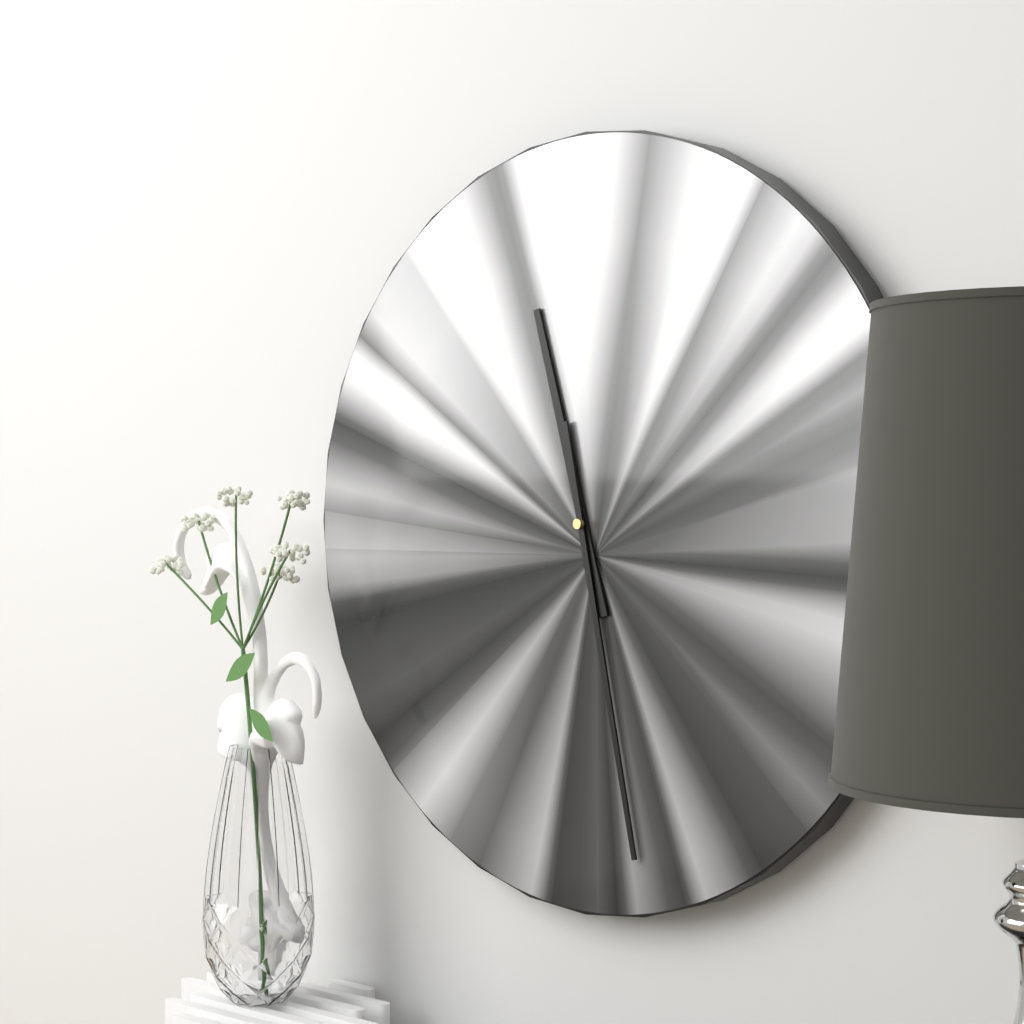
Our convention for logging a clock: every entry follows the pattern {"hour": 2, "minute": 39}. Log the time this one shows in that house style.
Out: {"hour": 11, "minute": 28}
